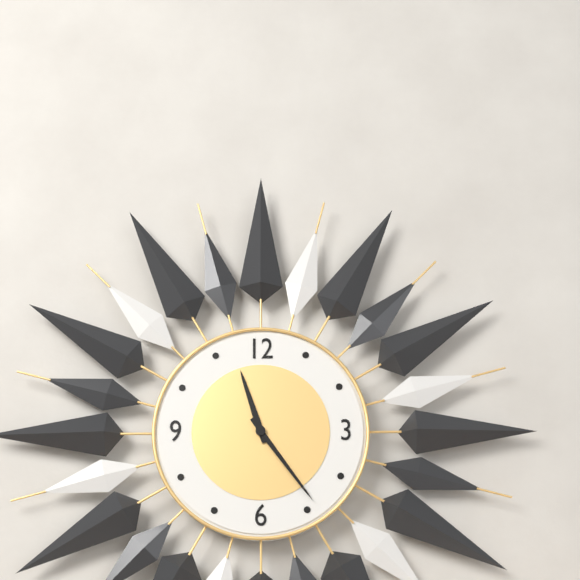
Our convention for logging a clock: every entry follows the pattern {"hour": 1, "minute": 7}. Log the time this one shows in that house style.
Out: {"hour": 11, "minute": 24}
